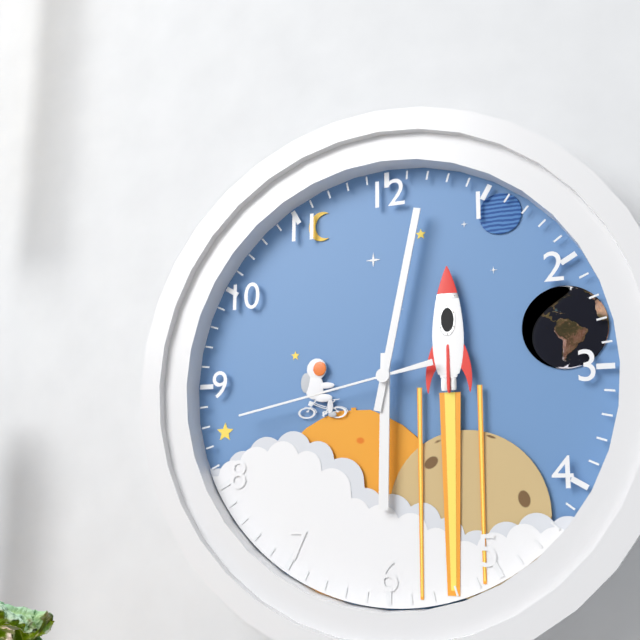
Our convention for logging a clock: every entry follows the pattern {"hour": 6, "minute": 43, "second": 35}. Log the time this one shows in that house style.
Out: {"hour": 6, "minute": 2, "second": 43}
